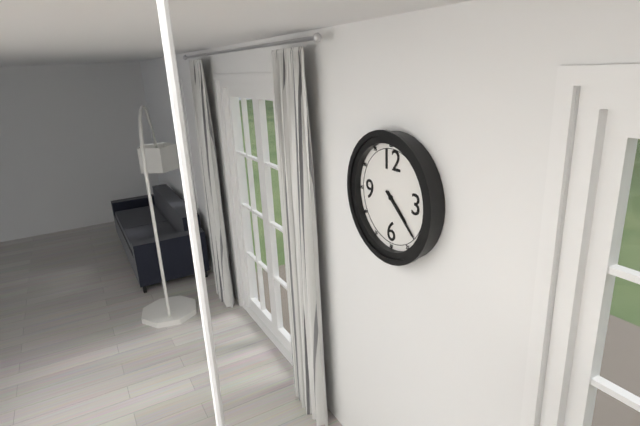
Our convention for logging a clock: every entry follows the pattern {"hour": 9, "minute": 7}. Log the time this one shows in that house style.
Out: {"hour": 4, "minute": 22}
